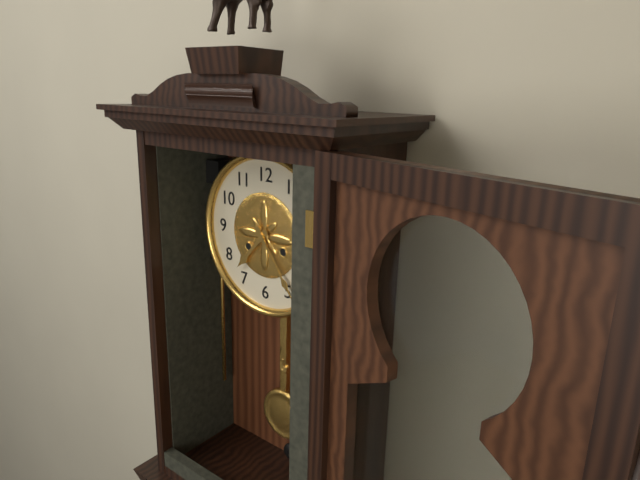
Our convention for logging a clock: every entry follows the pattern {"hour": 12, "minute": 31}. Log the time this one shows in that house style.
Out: {"hour": 7, "minute": 24}
